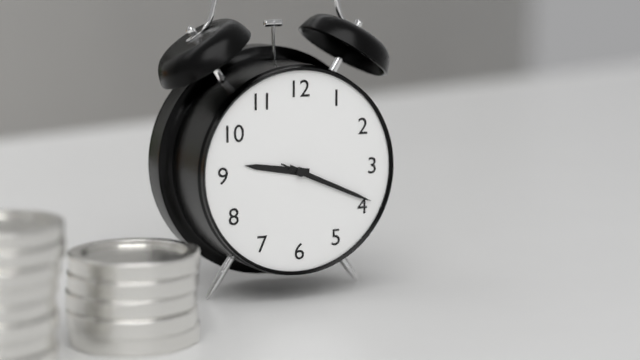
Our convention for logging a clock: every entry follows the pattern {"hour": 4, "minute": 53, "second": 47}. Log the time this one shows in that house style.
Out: {"hour": 9, "minute": 19, "second": 19}
